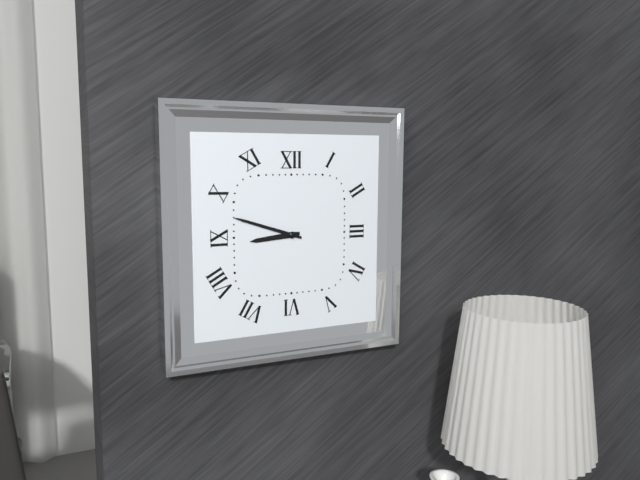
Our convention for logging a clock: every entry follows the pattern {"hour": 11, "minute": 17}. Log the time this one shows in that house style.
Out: {"hour": 8, "minute": 48}
